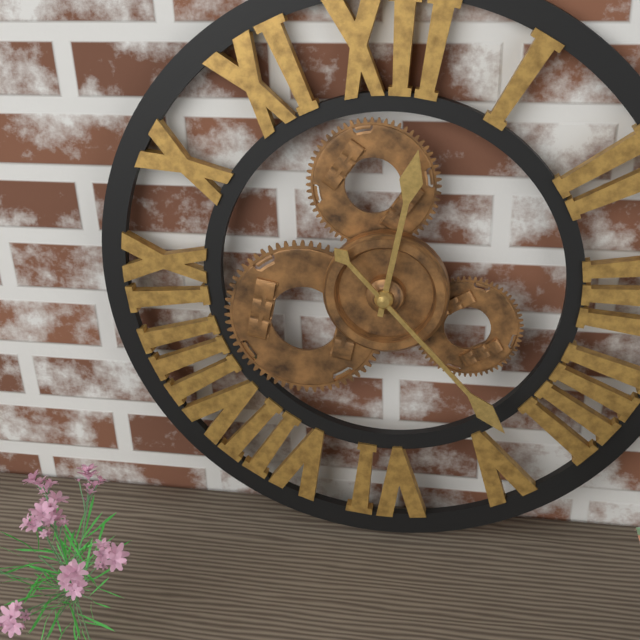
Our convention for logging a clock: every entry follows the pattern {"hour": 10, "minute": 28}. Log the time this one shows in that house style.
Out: {"hour": 12, "minute": 23}
